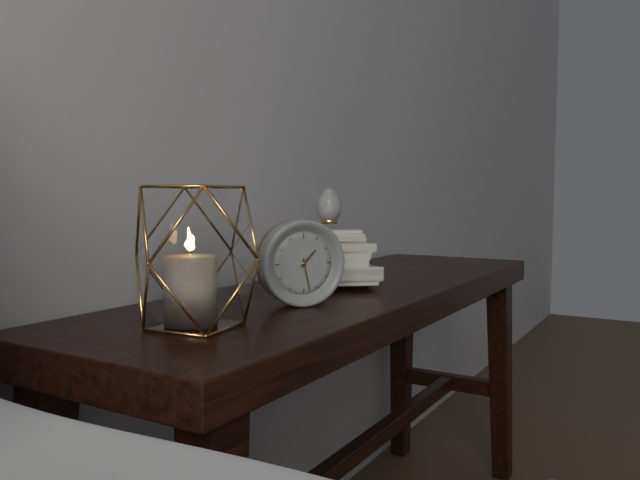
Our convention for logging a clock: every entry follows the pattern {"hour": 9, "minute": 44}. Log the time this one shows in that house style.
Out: {"hour": 1, "minute": 28}
